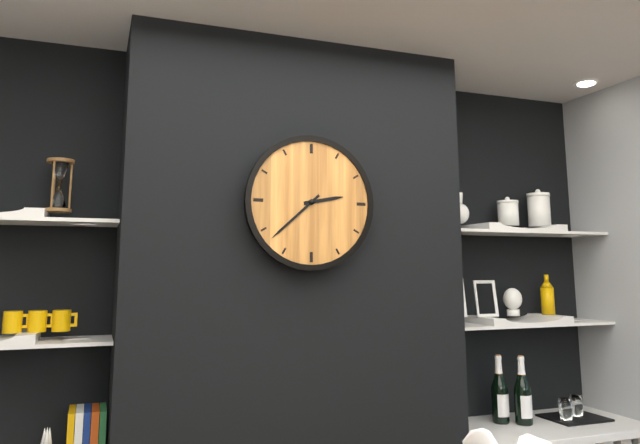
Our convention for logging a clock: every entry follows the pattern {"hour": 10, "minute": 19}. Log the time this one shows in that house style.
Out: {"hour": 2, "minute": 38}
